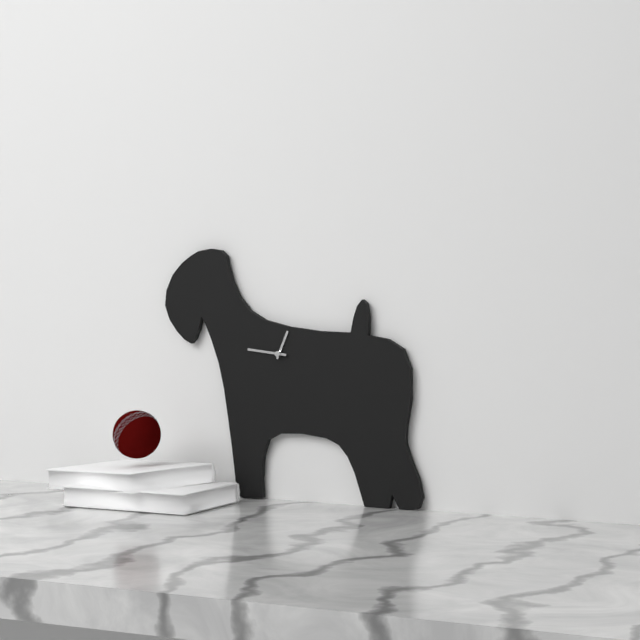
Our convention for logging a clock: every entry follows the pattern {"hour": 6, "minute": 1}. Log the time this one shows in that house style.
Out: {"hour": 12, "minute": 46}
